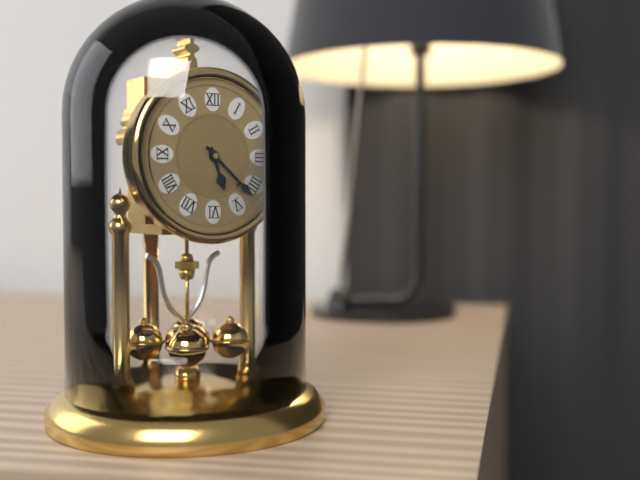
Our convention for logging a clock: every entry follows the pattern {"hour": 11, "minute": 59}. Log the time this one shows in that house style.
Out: {"hour": 5, "minute": 22}
